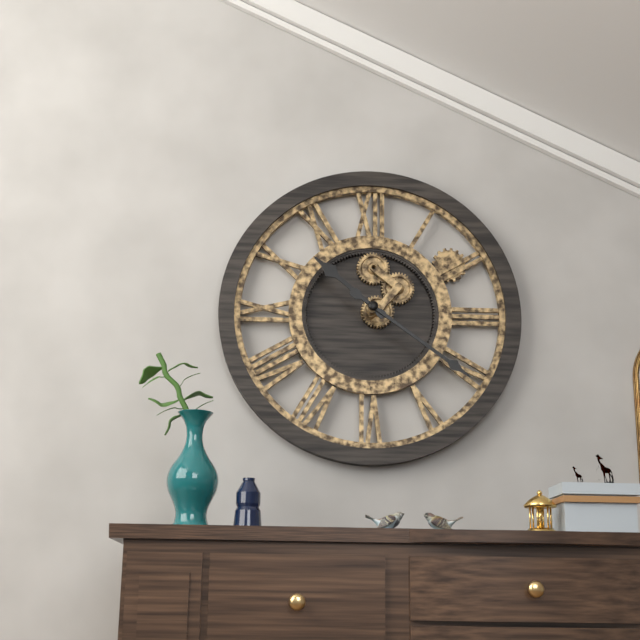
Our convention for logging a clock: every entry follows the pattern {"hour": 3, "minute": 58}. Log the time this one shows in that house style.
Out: {"hour": 10, "minute": 21}
